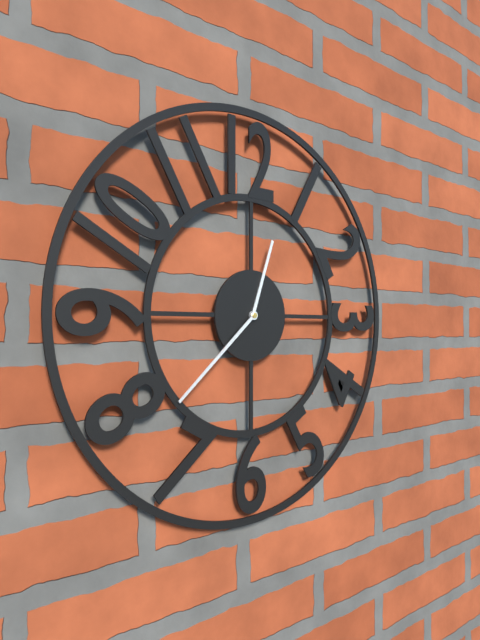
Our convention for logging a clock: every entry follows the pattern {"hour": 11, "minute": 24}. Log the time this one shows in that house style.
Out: {"hour": 12, "minute": 38}
